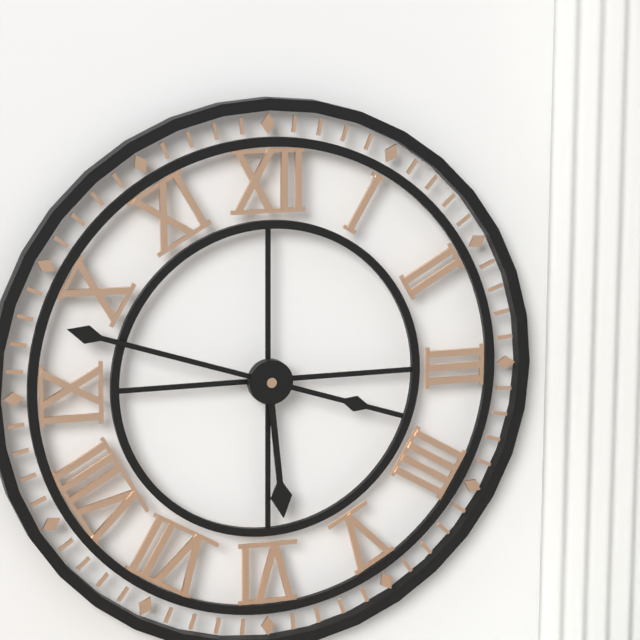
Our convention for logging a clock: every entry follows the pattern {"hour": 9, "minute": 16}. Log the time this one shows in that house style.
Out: {"hour": 5, "minute": 48}
